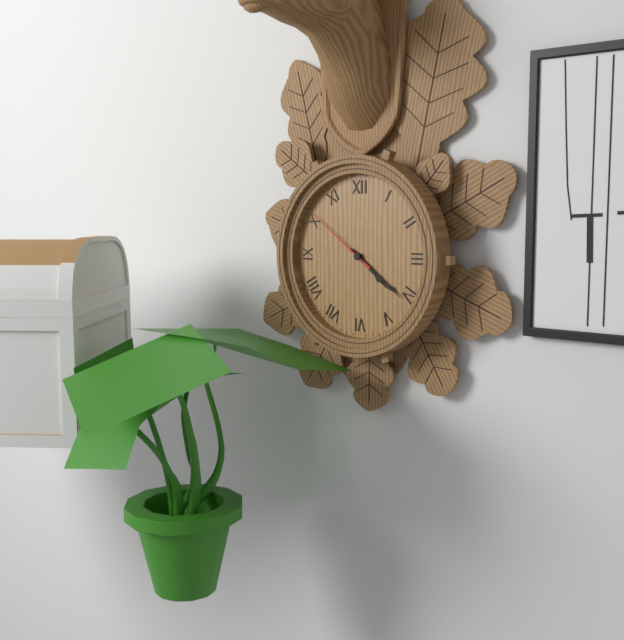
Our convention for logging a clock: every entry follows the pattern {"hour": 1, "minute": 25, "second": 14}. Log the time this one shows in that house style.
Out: {"hour": 4, "minute": 21, "second": 51}
